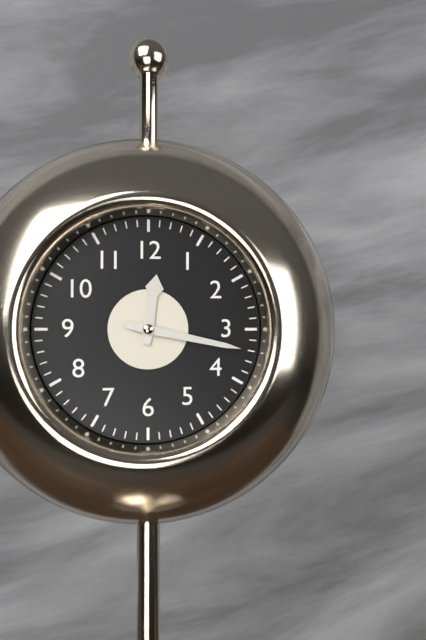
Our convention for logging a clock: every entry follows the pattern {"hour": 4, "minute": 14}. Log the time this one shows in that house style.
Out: {"hour": 12, "minute": 17}
